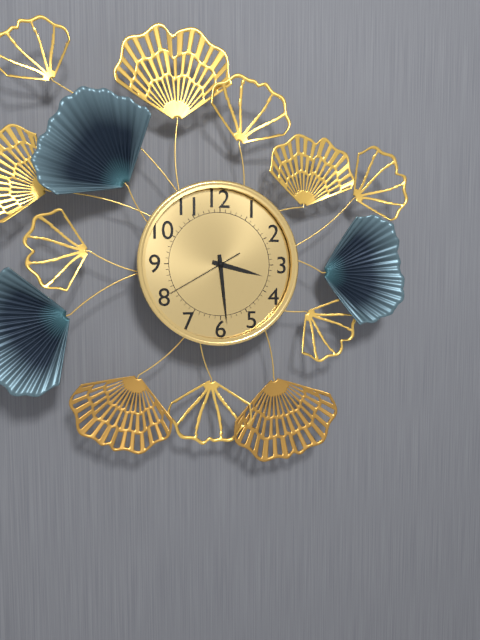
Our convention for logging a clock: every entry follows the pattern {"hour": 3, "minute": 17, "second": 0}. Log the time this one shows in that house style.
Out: {"hour": 3, "minute": 29, "second": 40}
